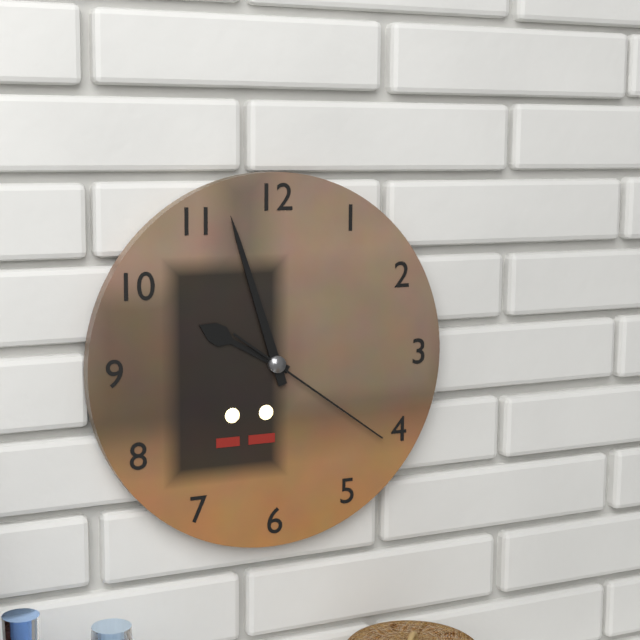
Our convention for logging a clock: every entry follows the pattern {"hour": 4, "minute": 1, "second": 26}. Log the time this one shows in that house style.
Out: {"hour": 9, "minute": 57, "second": 21}
